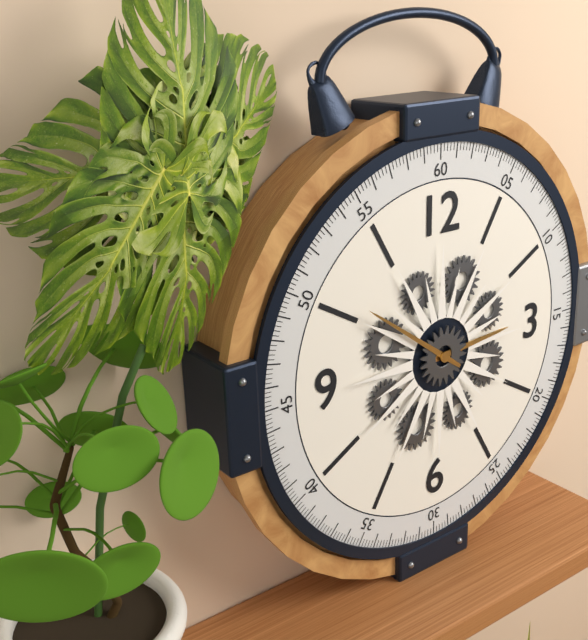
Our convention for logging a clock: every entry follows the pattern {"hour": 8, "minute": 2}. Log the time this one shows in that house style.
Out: {"hour": 2, "minute": 51}
